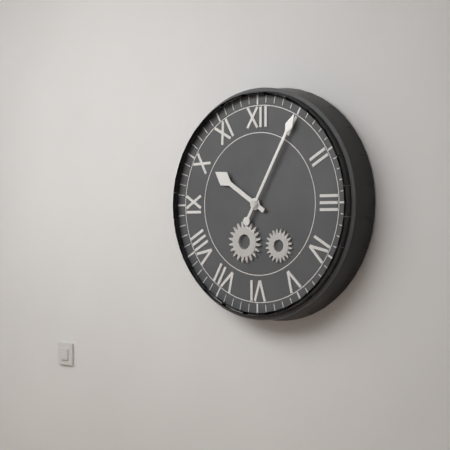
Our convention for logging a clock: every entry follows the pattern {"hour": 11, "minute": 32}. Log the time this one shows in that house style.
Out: {"hour": 10, "minute": 5}
